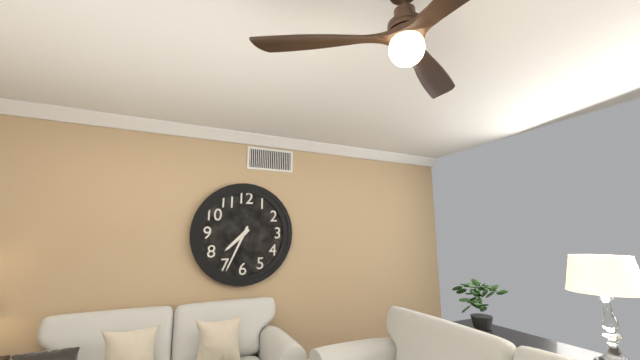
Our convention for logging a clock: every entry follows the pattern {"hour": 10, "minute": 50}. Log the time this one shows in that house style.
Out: {"hour": 7, "minute": 34}
